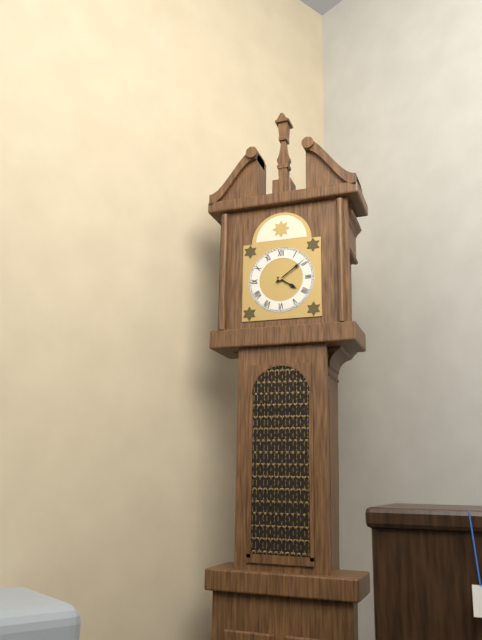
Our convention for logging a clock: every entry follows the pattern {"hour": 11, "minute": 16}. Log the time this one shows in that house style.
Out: {"hour": 4, "minute": 9}
